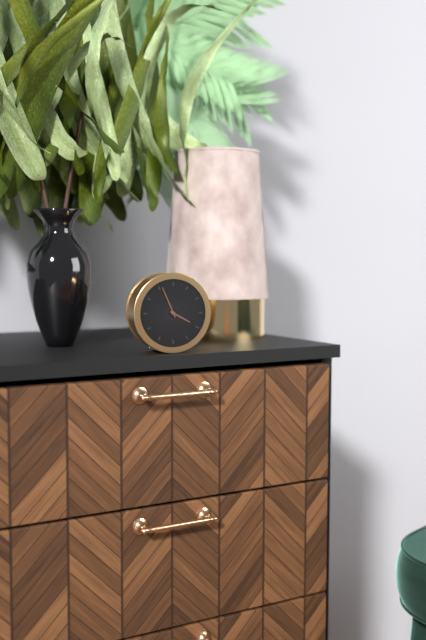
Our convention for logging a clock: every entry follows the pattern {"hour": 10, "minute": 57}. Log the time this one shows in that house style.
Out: {"hour": 3, "minute": 56}
